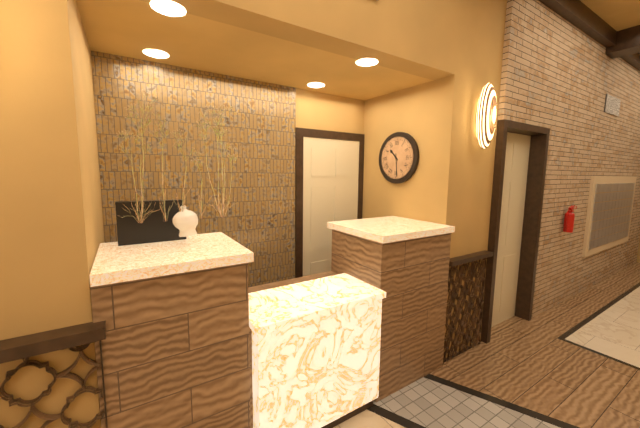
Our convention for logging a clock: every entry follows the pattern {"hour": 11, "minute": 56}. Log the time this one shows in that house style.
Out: {"hour": 10, "minute": 29}
